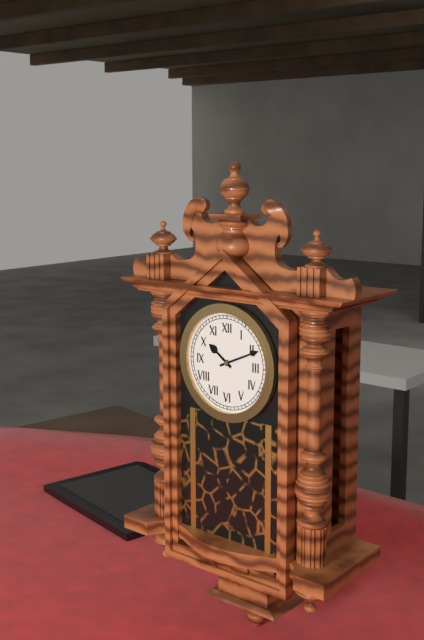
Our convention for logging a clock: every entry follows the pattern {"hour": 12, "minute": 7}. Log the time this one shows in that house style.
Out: {"hour": 10, "minute": 11}
